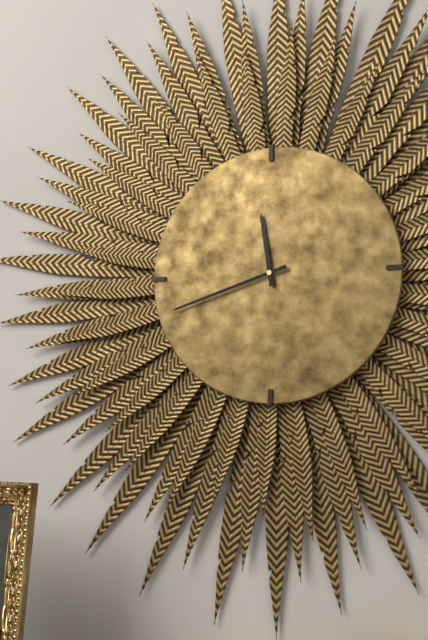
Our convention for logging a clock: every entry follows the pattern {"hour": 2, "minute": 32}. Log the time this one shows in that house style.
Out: {"hour": 11, "minute": 42}
